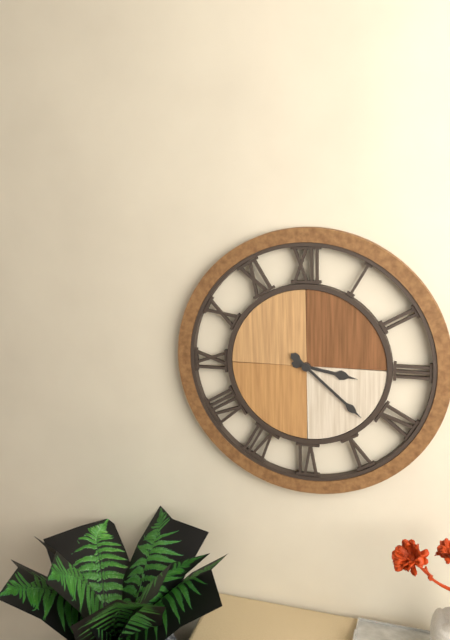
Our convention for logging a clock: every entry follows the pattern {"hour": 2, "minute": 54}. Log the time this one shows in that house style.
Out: {"hour": 3, "minute": 22}
